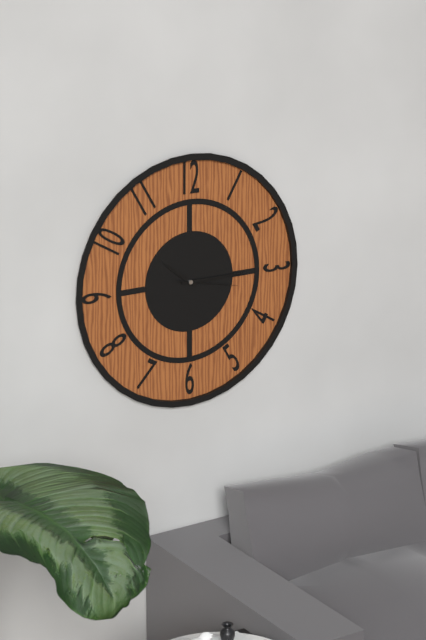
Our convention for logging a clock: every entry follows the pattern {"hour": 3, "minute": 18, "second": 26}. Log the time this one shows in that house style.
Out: {"hour": 10, "minute": 15, "second": 17}
